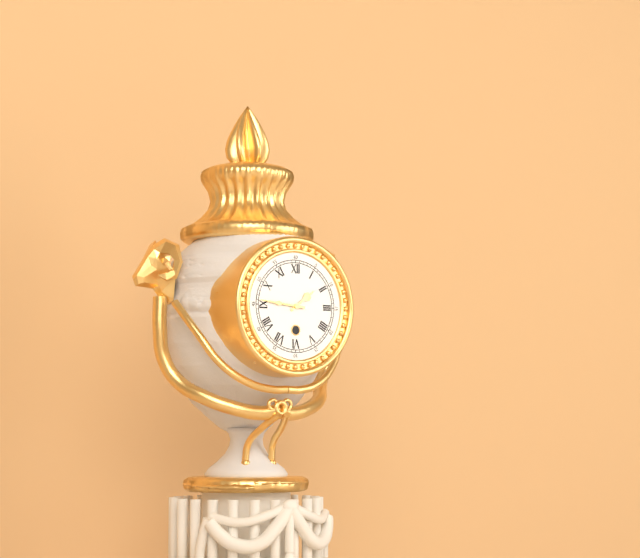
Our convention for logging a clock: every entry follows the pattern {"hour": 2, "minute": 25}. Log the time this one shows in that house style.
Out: {"hour": 1, "minute": 46}
